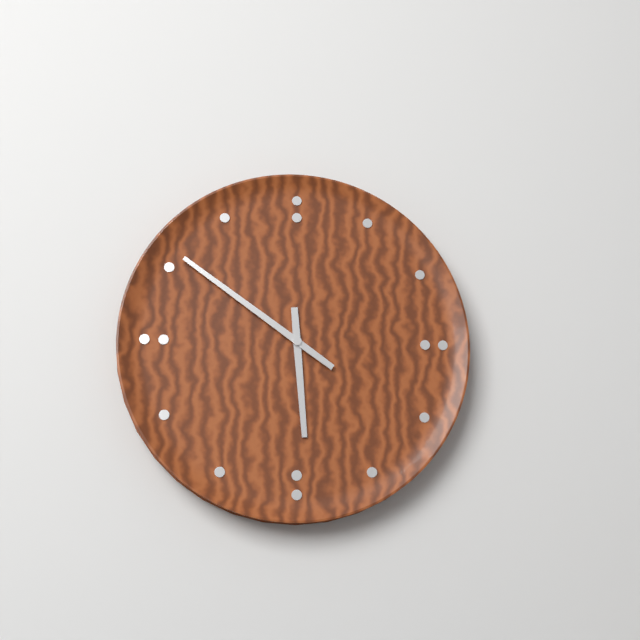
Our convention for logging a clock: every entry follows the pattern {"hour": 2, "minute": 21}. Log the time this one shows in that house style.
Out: {"hour": 5, "minute": 51}
